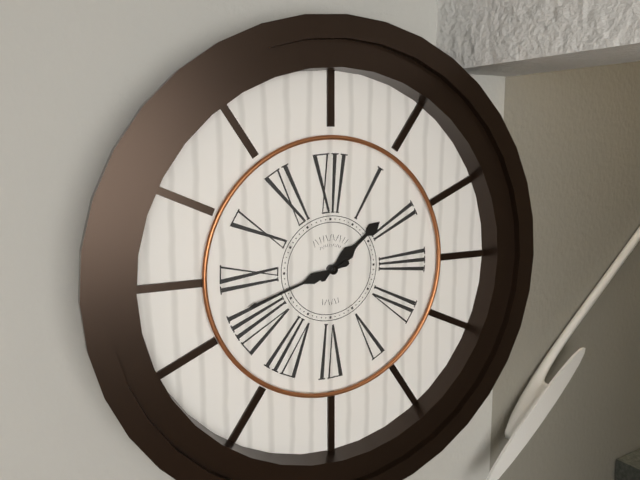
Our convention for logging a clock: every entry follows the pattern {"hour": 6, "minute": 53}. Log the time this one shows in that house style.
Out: {"hour": 1, "minute": 42}
